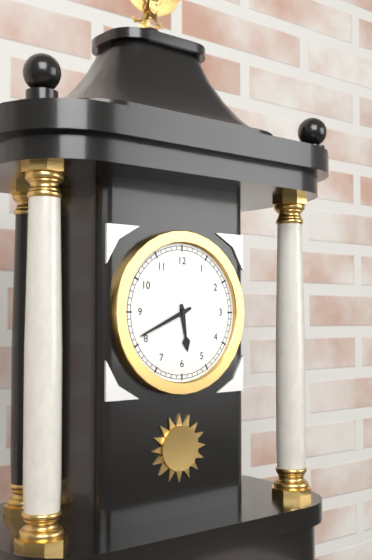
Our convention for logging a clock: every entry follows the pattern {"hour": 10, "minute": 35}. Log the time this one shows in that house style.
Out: {"hour": 5, "minute": 41}
